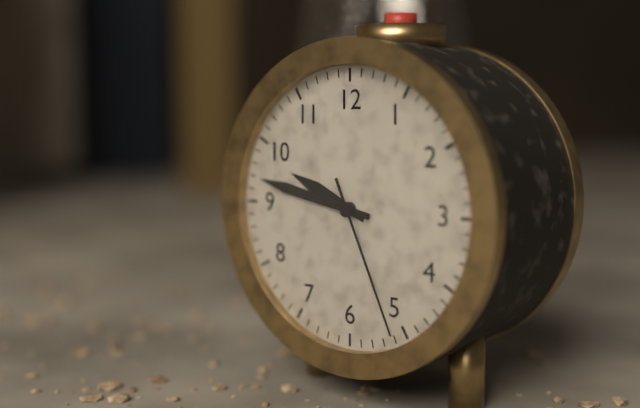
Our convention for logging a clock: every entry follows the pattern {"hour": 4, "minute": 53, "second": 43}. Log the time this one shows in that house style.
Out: {"hour": 9, "minute": 47, "second": 26}
